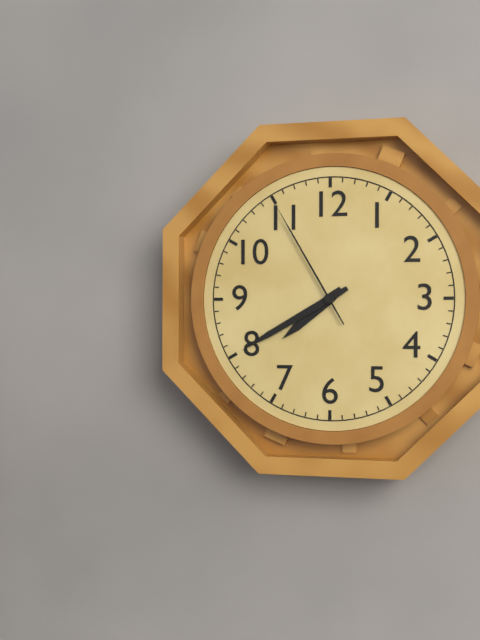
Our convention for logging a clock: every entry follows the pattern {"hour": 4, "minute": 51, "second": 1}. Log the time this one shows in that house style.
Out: {"hour": 7, "minute": 40, "second": 55}
